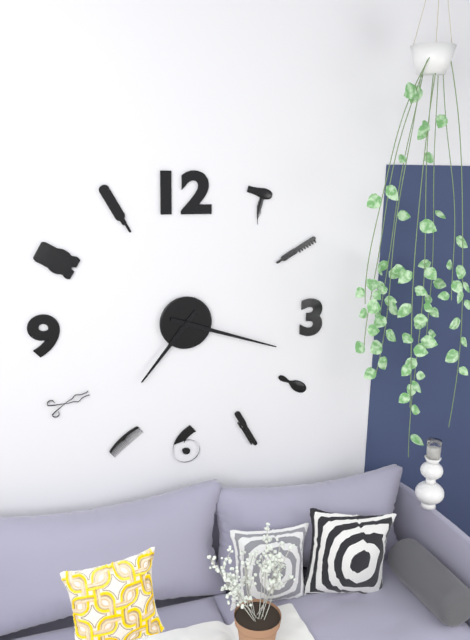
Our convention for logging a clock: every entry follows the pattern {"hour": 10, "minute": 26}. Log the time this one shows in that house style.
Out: {"hour": 7, "minute": 18}
